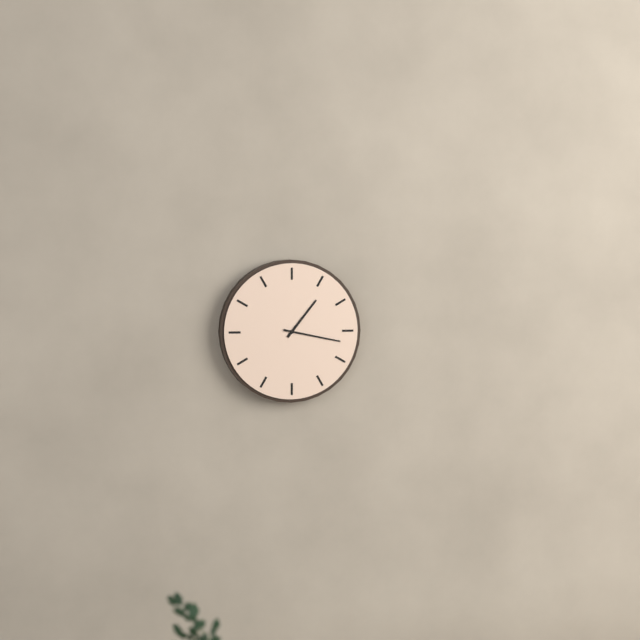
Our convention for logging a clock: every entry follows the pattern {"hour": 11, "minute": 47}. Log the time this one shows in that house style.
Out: {"hour": 1, "minute": 17}
